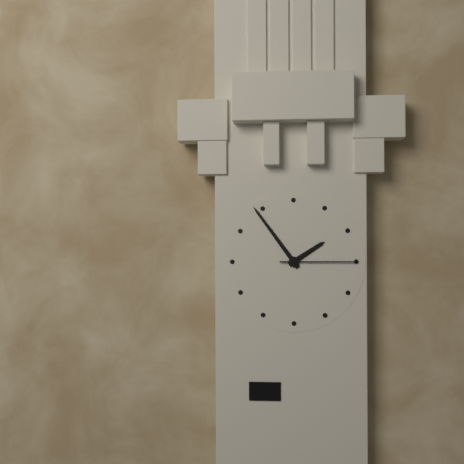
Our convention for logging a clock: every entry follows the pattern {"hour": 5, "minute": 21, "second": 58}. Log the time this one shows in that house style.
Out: {"hour": 1, "minute": 54, "second": 15}
